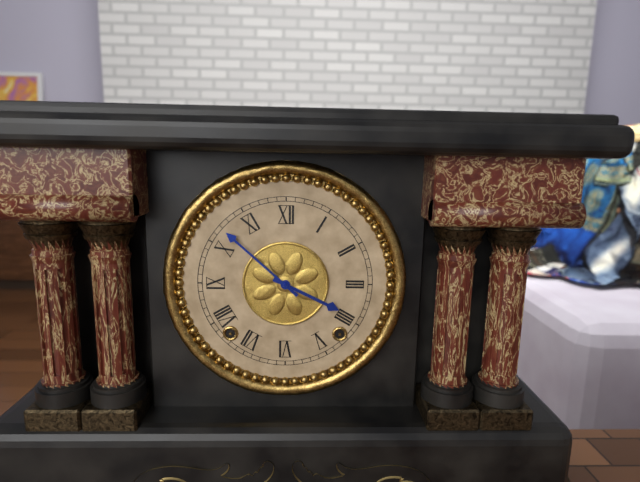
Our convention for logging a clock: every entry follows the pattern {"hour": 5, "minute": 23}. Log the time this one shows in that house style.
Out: {"hour": 3, "minute": 52}
